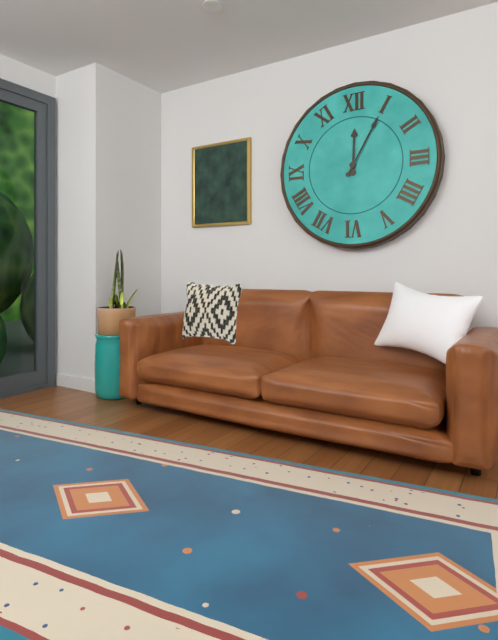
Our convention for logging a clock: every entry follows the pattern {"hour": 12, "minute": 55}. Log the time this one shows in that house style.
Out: {"hour": 12, "minute": 5}
